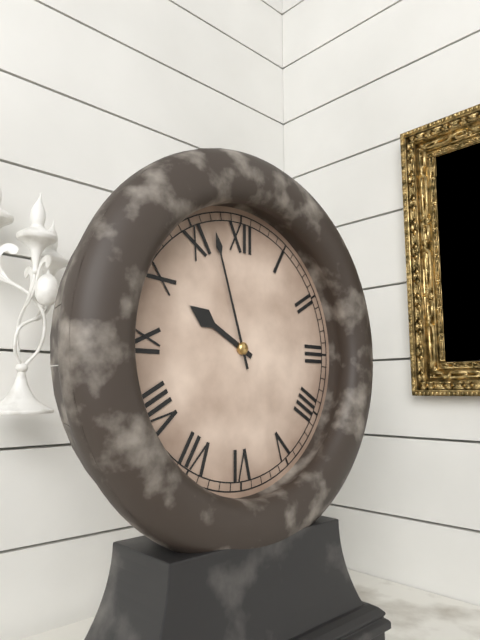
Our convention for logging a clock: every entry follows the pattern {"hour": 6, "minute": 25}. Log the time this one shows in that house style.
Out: {"hour": 9, "minute": 57}
